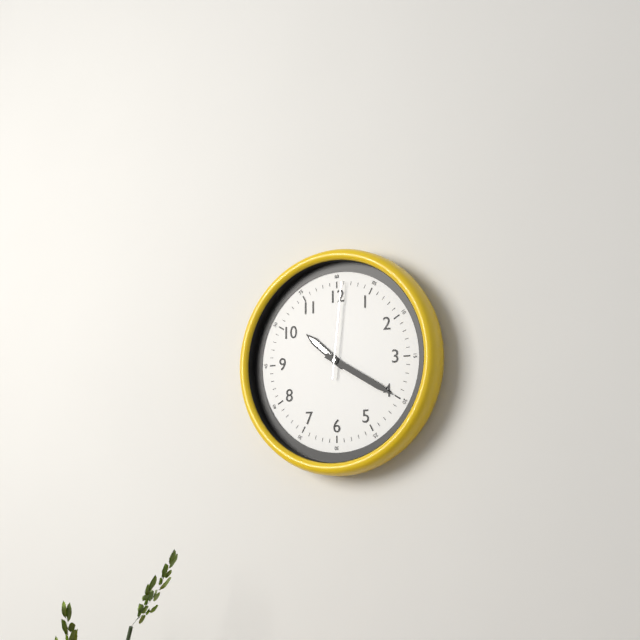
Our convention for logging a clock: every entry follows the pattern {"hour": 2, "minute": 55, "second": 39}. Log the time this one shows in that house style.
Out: {"hour": 10, "minute": 20, "second": 1}
